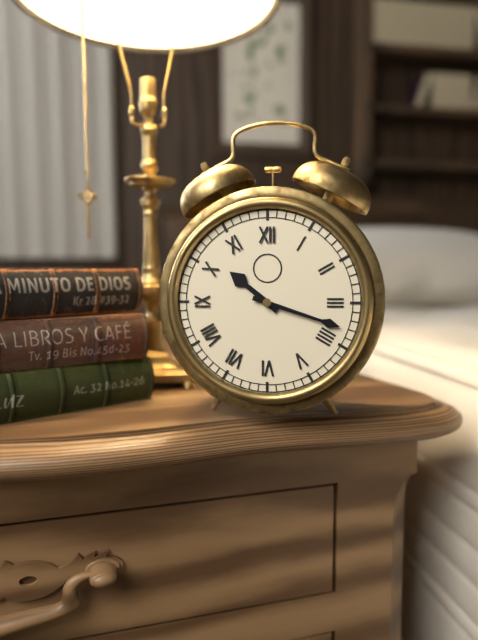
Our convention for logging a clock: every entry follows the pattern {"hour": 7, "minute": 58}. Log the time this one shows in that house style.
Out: {"hour": 10, "minute": 18}
